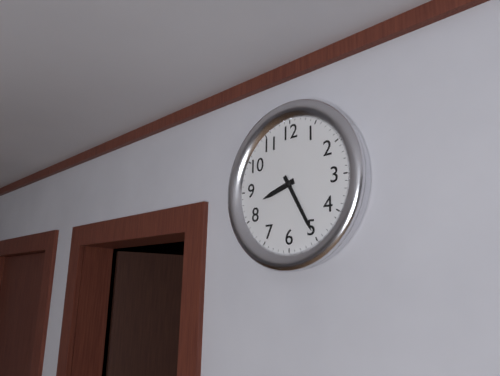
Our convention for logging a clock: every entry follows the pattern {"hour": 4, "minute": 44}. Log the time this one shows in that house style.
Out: {"hour": 8, "minute": 25}
